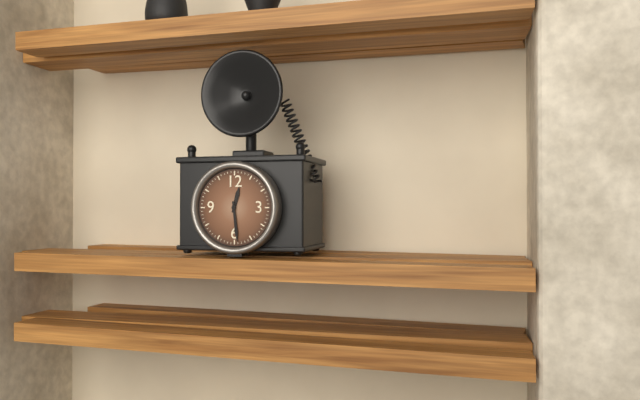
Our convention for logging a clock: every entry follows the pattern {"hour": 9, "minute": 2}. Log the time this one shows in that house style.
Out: {"hour": 12, "minute": 29}
